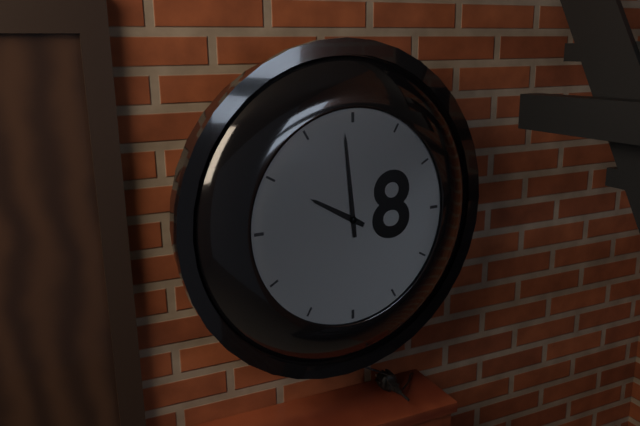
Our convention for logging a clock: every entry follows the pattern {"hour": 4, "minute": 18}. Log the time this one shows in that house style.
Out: {"hour": 9, "minute": 59}
